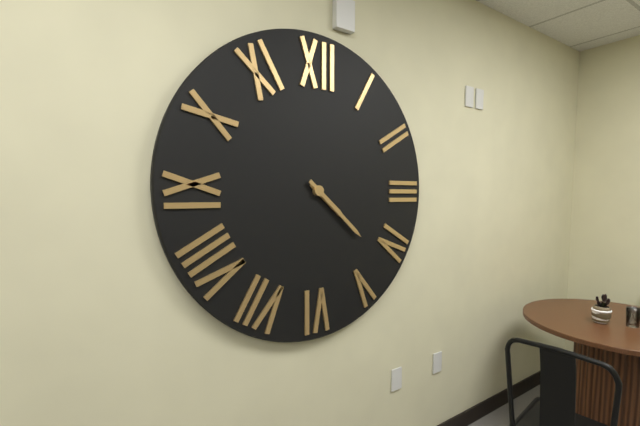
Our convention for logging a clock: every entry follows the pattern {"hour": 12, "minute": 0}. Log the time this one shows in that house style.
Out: {"hour": 4, "minute": 22}
